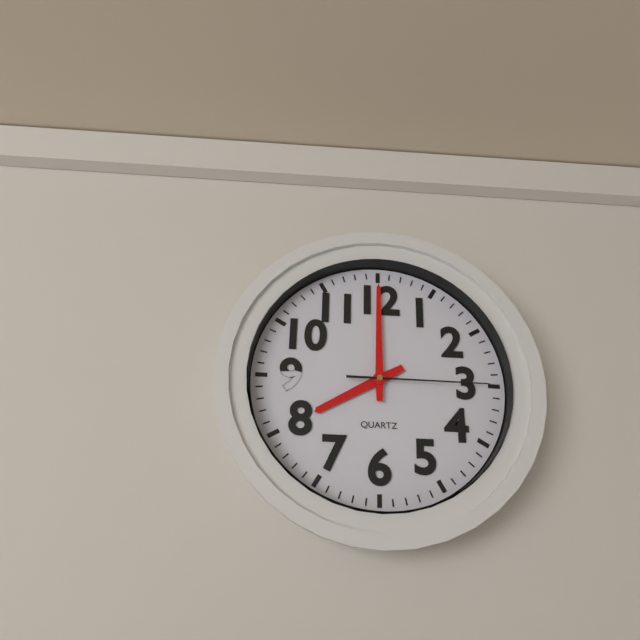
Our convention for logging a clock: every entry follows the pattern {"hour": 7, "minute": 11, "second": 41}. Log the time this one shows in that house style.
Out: {"hour": 8, "minute": 0, "second": 15}
